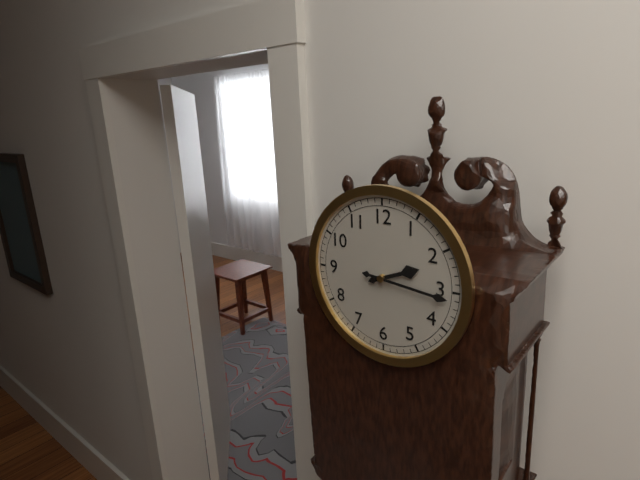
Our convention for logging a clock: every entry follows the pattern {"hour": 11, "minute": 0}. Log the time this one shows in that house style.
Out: {"hour": 2, "minute": 16}
